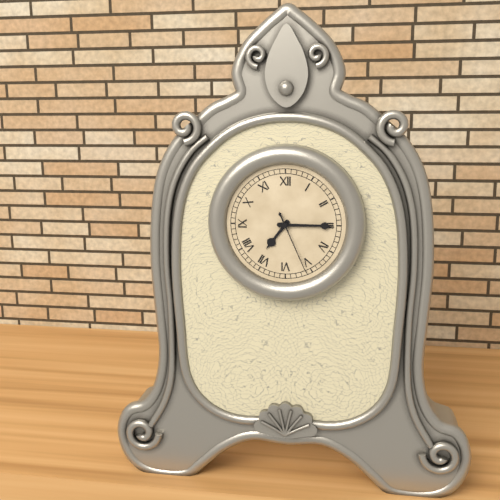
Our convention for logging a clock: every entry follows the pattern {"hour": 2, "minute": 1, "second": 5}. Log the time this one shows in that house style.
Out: {"hour": 7, "minute": 15, "second": 26}
